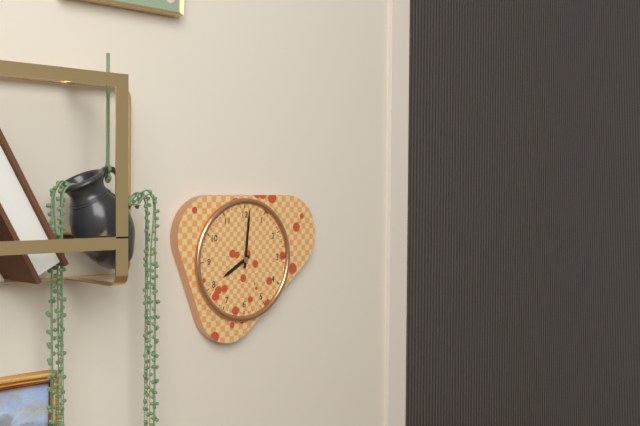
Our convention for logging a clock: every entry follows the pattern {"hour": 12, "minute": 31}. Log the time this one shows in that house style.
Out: {"hour": 8, "minute": 1}
